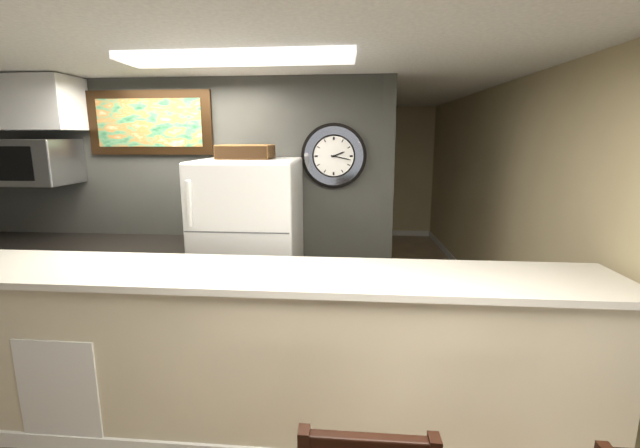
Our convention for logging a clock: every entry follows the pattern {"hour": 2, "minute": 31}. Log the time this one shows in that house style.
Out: {"hour": 2, "minute": 17}
